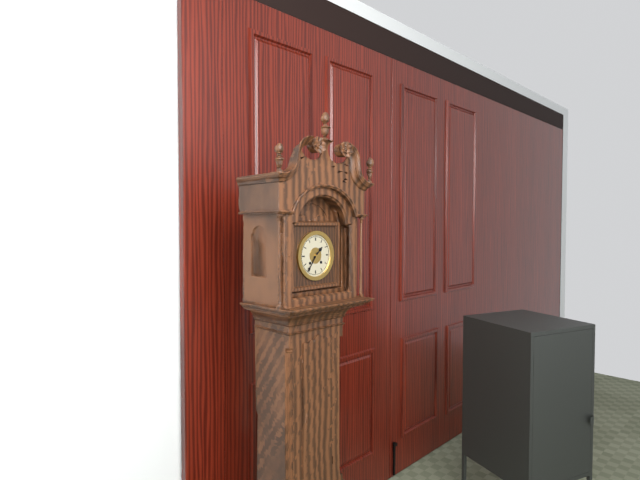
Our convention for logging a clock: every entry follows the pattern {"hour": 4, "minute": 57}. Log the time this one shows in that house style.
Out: {"hour": 1, "minute": 36}
